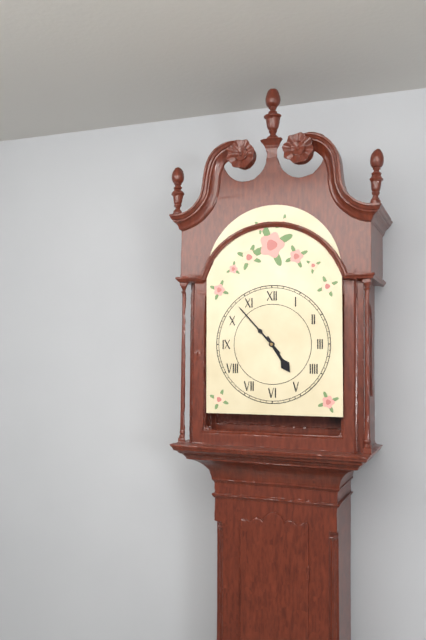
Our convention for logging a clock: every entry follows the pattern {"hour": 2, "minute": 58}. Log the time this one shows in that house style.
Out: {"hour": 4, "minute": 53}
